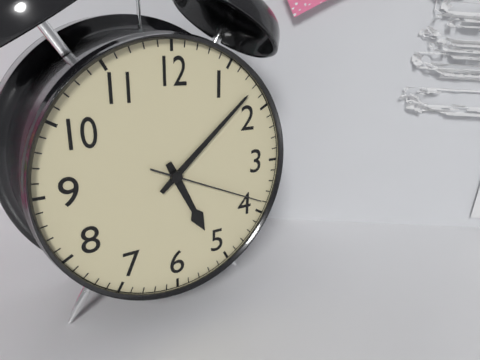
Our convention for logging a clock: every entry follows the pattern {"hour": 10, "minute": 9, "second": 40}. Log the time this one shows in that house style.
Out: {"hour": 5, "minute": 8, "second": 19}
